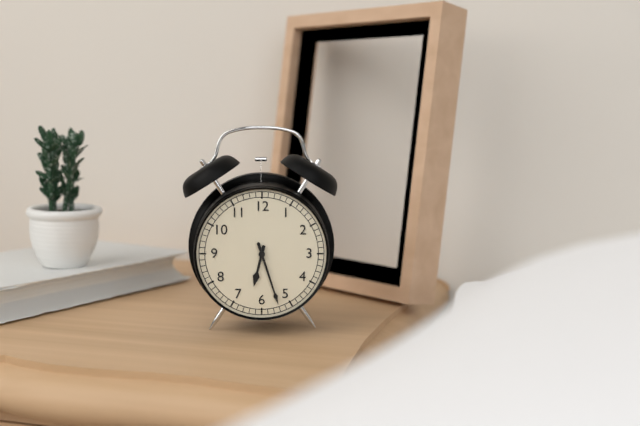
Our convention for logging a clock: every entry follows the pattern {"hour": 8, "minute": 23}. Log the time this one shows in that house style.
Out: {"hour": 6, "minute": 27}
